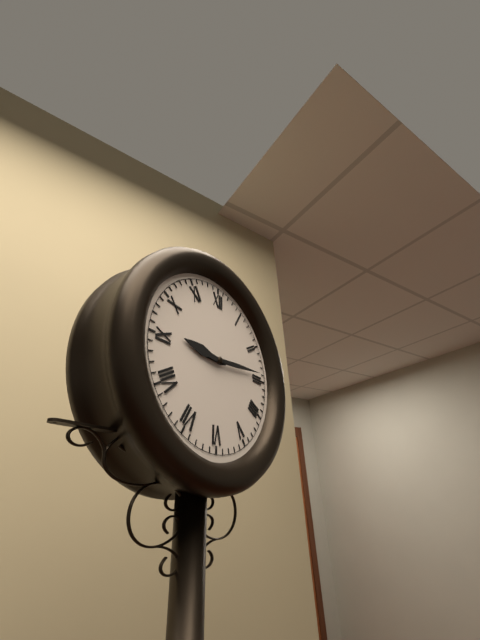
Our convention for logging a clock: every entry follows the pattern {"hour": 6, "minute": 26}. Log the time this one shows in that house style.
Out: {"hour": 9, "minute": 14}
